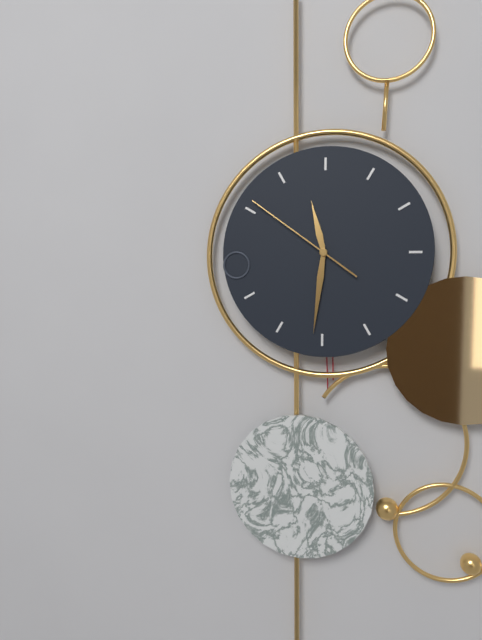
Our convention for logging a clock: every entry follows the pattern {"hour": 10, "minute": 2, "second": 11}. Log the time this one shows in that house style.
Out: {"hour": 11, "minute": 31, "second": 51}
